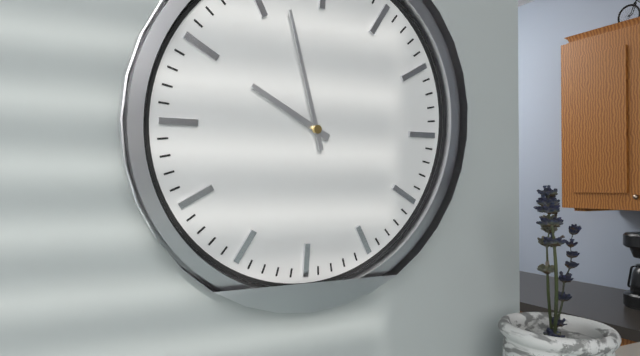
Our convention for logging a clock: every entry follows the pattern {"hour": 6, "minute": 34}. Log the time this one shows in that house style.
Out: {"hour": 9, "minute": 57}
